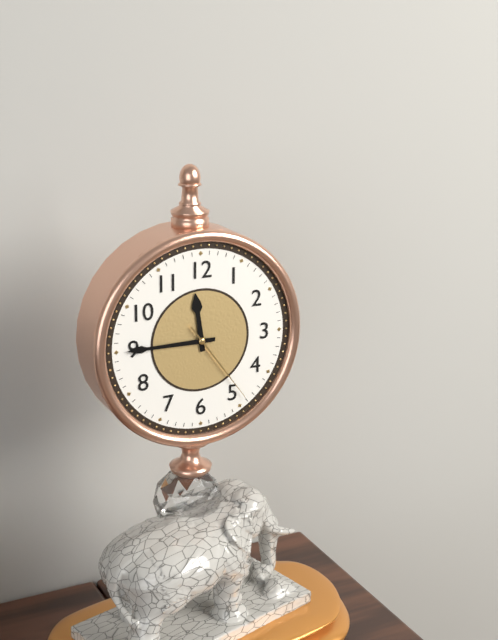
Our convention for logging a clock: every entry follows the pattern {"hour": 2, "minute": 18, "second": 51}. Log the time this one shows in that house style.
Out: {"hour": 11, "minute": 45, "second": 24}
